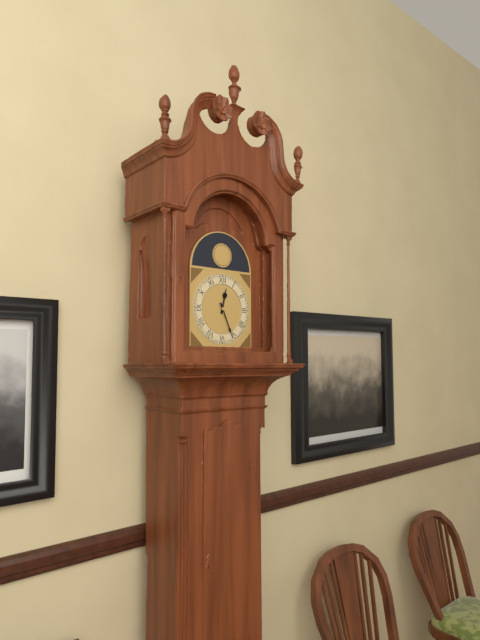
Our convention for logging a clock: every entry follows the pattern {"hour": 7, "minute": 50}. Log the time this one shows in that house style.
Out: {"hour": 12, "minute": 26}
